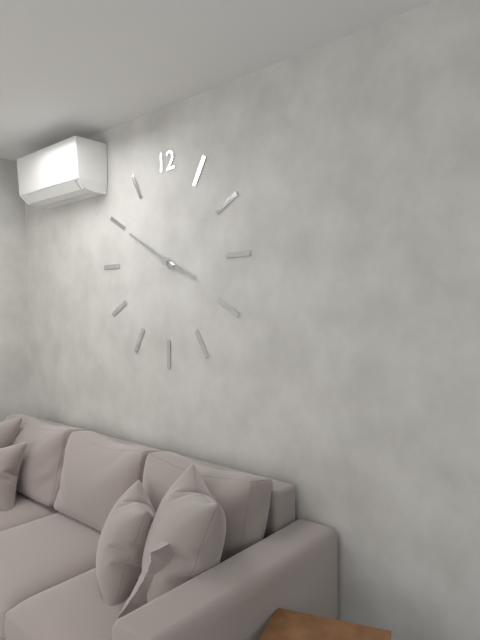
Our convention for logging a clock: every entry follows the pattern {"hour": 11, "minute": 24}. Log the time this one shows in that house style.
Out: {"hour": 3, "minute": 50}
